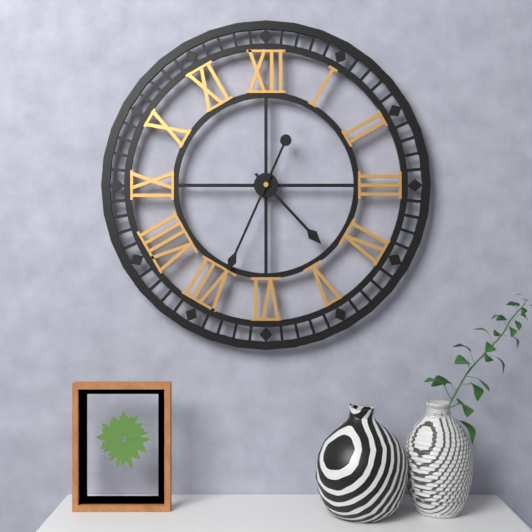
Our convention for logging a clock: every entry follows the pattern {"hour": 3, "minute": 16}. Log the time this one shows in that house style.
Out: {"hour": 4, "minute": 34}
